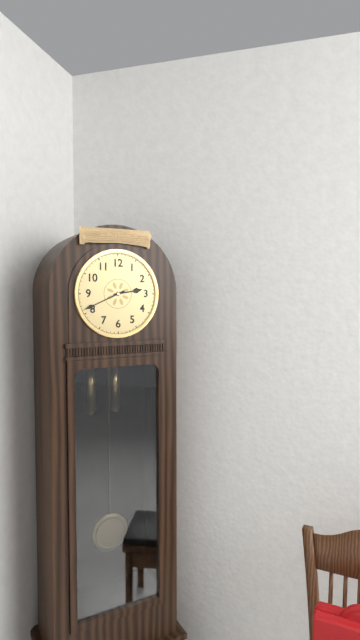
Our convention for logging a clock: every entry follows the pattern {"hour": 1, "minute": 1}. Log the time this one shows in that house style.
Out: {"hour": 2, "minute": 41}
